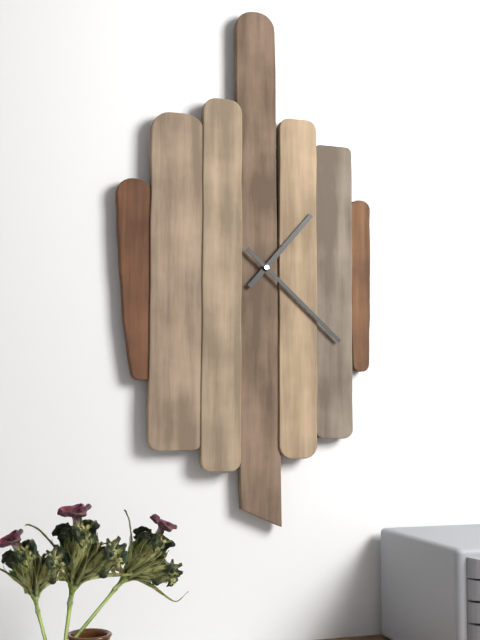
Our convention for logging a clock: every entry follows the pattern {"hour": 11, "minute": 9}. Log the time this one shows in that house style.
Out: {"hour": 1, "minute": 22}
